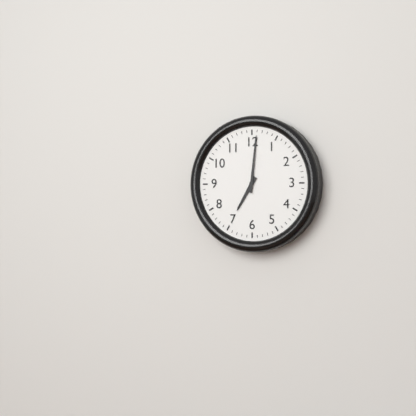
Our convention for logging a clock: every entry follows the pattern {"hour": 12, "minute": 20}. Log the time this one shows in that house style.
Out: {"hour": 7, "minute": 1}
